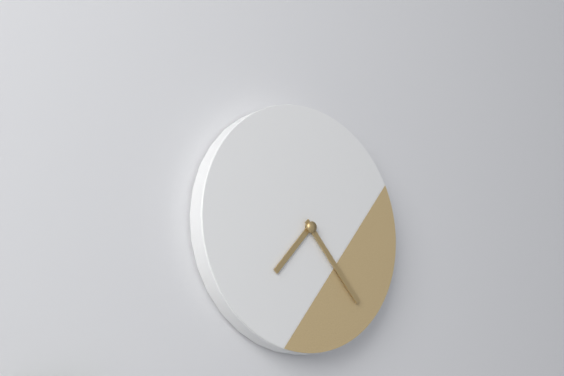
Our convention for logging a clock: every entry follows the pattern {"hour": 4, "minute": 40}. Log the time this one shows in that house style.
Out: {"hour": 7, "minute": 23}
